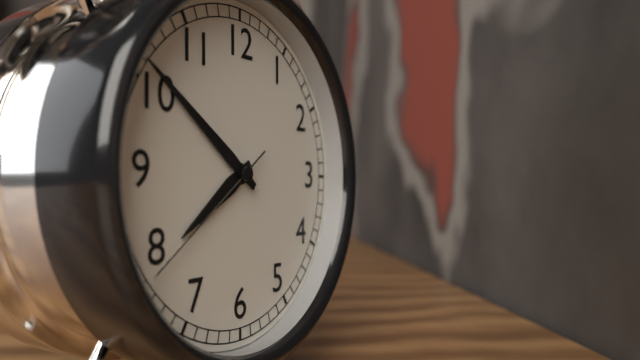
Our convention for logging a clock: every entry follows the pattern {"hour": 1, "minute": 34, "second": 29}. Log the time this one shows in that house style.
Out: {"hour": 7, "minute": 51, "second": 39}
